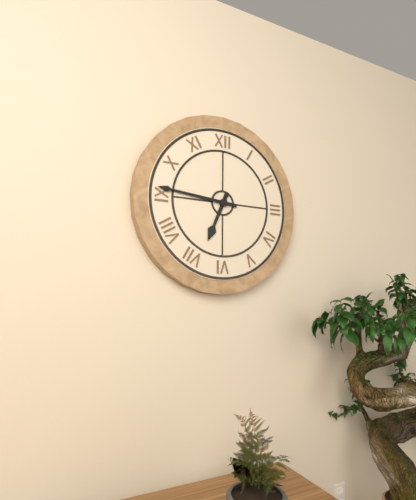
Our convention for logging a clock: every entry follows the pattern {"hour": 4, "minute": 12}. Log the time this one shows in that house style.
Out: {"hour": 6, "minute": 46}
